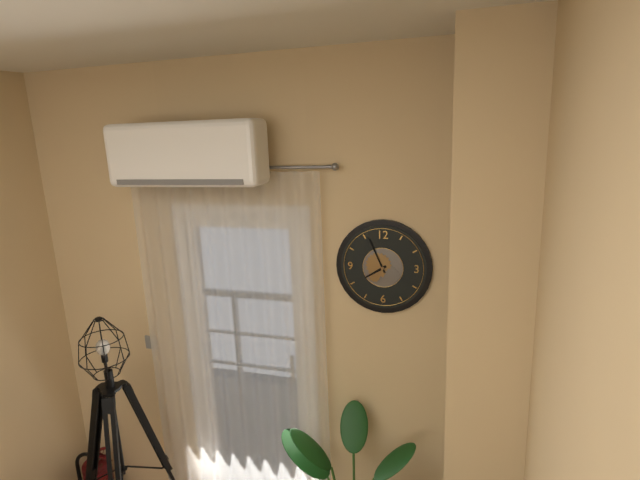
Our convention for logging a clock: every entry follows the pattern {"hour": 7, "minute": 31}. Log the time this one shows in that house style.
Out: {"hour": 7, "minute": 56}
